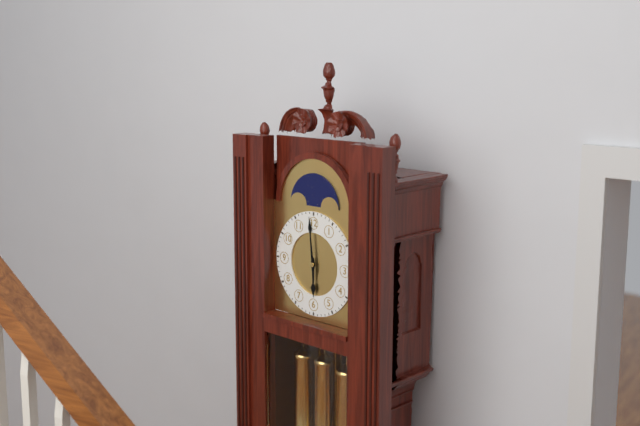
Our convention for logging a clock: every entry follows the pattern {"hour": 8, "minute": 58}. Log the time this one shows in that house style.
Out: {"hour": 5, "minute": 59}
